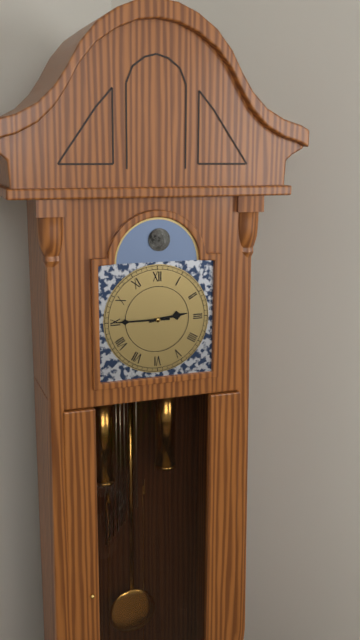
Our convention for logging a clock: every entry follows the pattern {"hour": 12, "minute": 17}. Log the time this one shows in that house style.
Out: {"hour": 2, "minute": 45}
